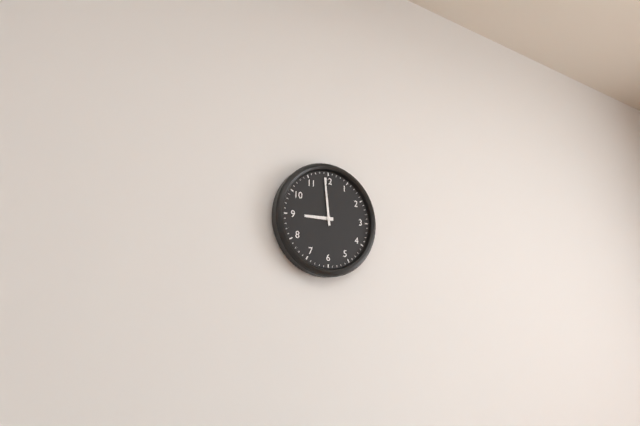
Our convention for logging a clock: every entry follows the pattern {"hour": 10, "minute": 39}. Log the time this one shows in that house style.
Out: {"hour": 8, "minute": 59}
